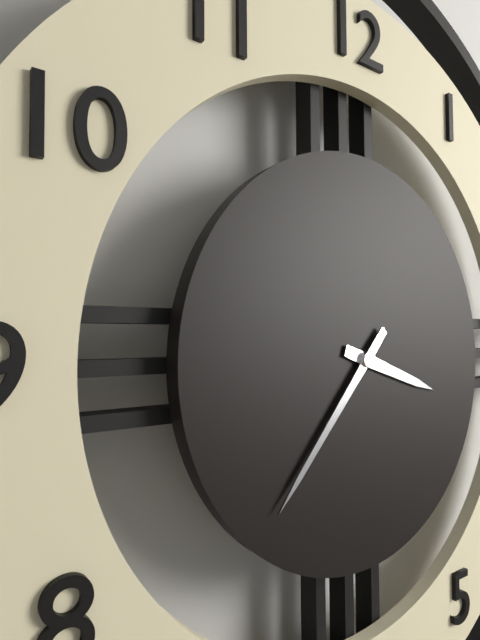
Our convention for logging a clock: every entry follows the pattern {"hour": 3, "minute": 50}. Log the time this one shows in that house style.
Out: {"hour": 3, "minute": 37}
